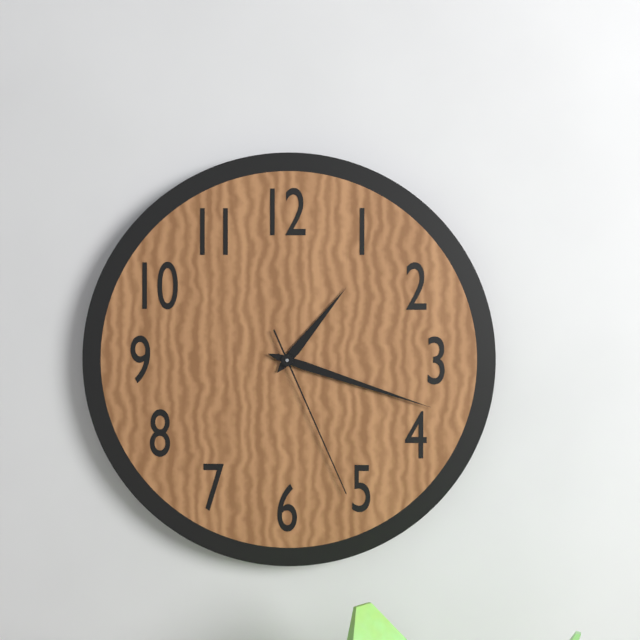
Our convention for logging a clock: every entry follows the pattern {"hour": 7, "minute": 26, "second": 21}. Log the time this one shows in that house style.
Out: {"hour": 1, "minute": 18, "second": 26}
